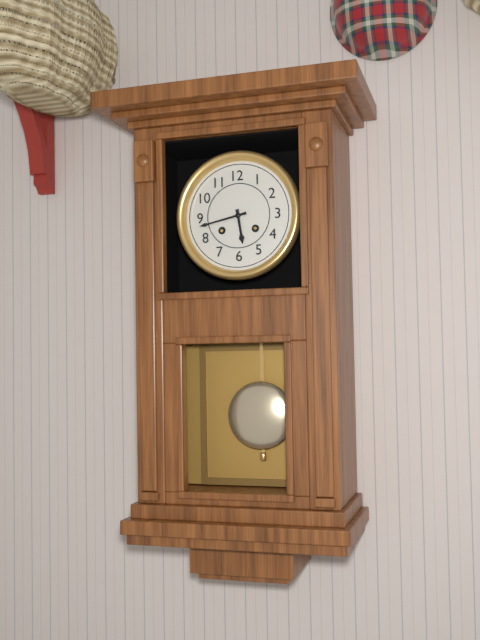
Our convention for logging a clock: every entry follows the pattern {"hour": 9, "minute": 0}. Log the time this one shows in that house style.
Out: {"hour": 5, "minute": 43}
